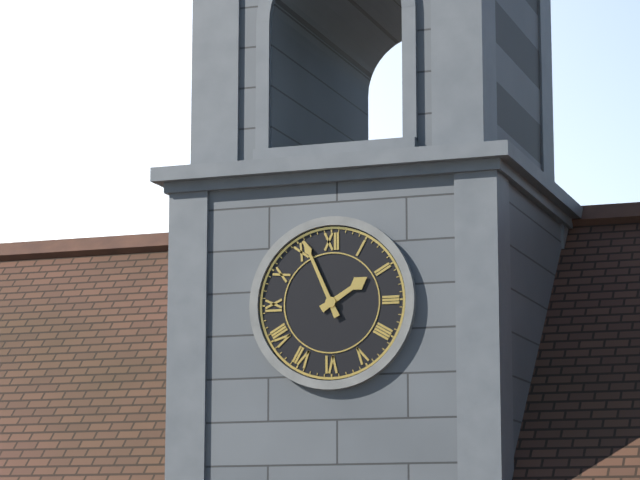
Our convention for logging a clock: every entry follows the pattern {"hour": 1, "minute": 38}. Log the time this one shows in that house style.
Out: {"hour": 1, "minute": 56}
